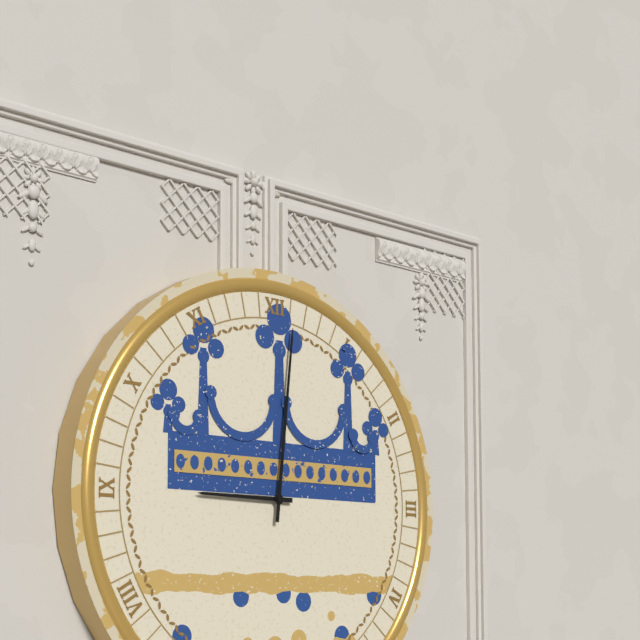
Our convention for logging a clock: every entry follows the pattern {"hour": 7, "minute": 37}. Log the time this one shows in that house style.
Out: {"hour": 9, "minute": 1}
